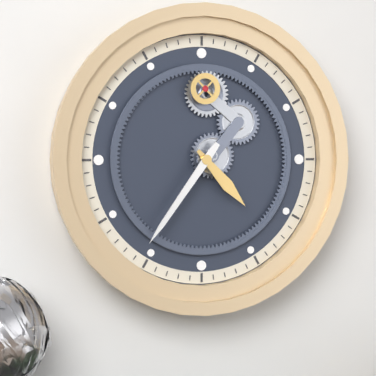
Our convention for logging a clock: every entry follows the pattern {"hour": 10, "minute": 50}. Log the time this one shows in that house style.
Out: {"hour": 4, "minute": 36}
